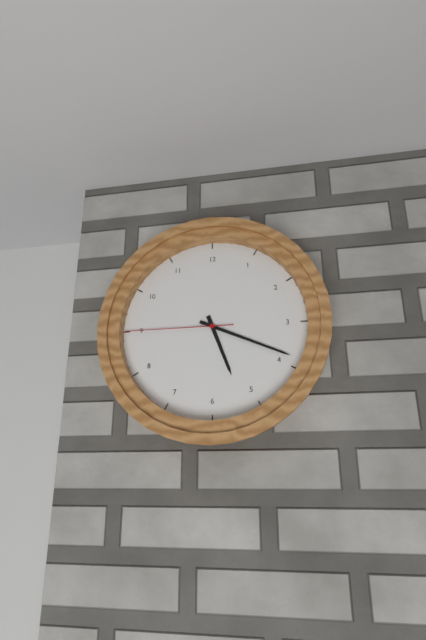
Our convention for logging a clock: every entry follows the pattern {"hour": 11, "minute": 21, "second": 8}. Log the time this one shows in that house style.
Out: {"hour": 5, "minute": 19, "second": 45}
